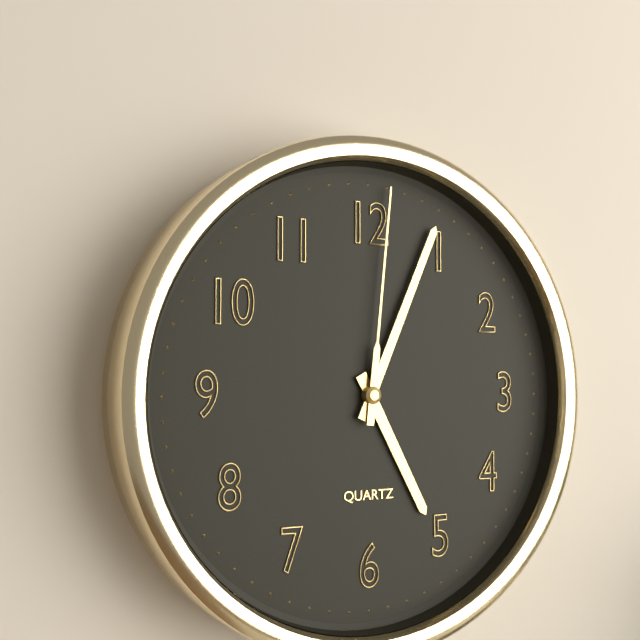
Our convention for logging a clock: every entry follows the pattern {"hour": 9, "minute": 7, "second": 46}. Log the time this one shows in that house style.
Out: {"hour": 5, "minute": 4, "second": 1}
